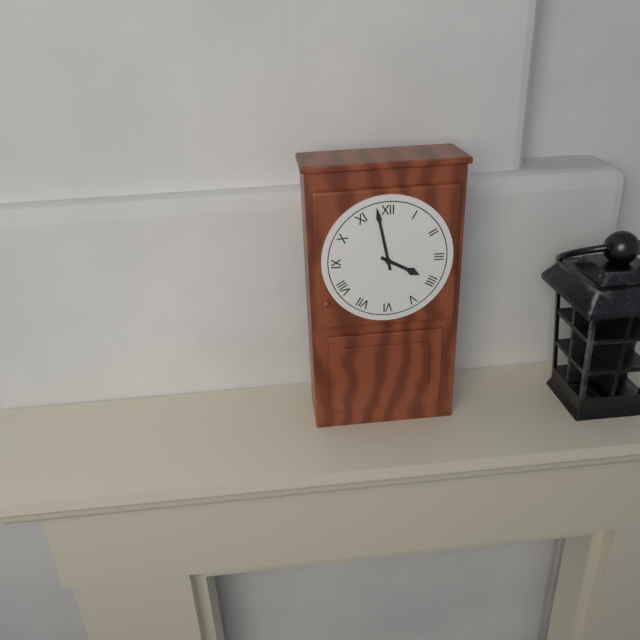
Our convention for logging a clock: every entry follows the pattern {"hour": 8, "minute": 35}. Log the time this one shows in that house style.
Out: {"hour": 3, "minute": 58}
